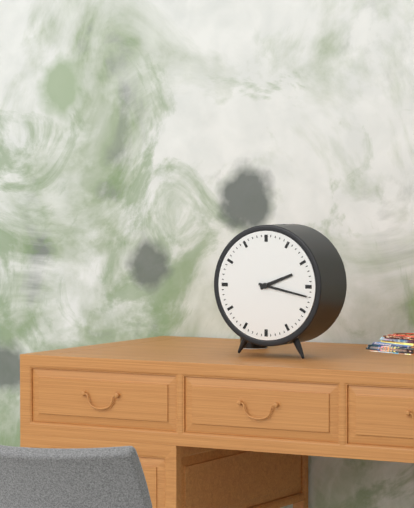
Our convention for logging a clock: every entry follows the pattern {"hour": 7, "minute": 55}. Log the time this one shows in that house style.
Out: {"hour": 2, "minute": 17}
